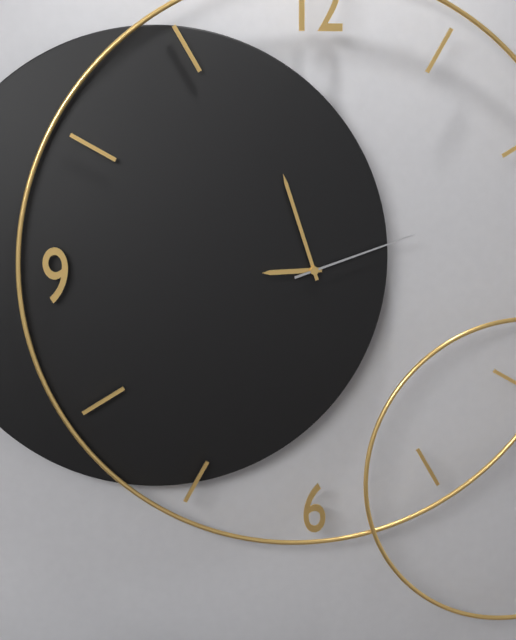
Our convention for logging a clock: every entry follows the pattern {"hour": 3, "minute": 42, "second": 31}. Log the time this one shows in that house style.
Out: {"hour": 8, "minute": 57, "second": 12}
